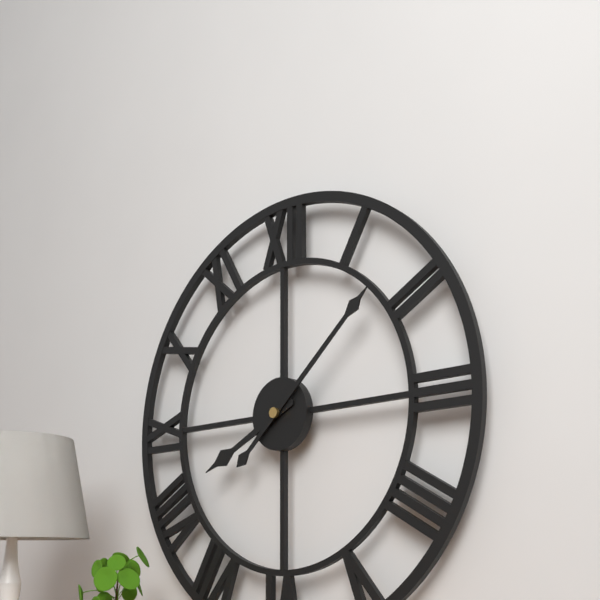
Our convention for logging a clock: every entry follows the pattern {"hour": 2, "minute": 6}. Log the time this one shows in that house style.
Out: {"hour": 8, "minute": 8}
